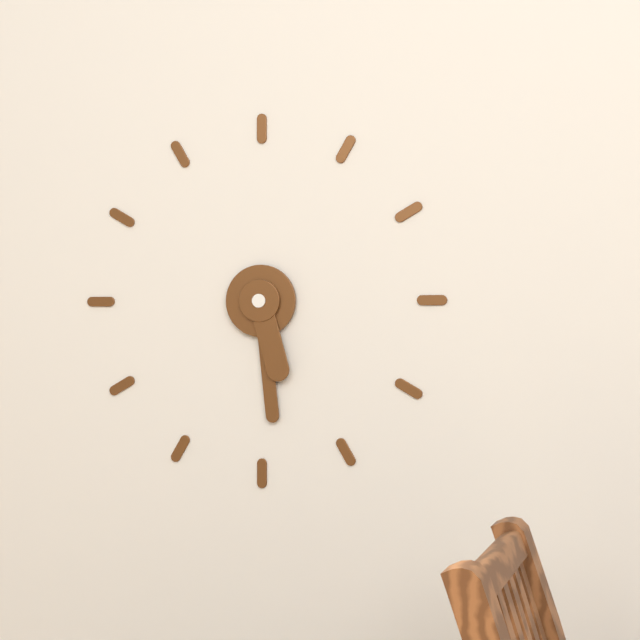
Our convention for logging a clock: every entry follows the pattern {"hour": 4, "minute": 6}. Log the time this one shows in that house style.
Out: {"hour": 5, "minute": 29}
